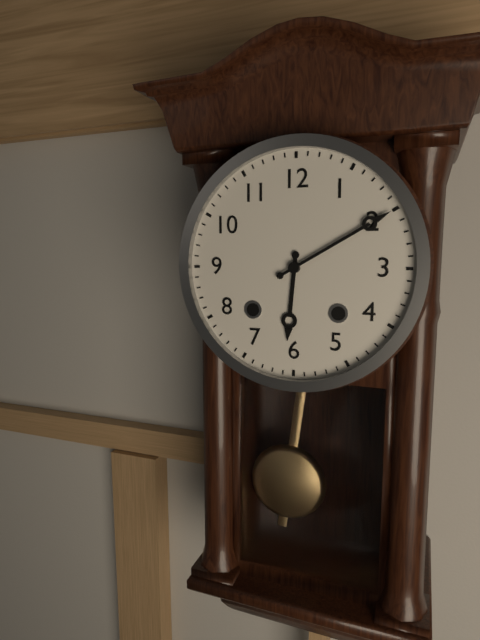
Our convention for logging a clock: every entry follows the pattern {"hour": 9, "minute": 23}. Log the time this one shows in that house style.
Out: {"hour": 6, "minute": 10}
